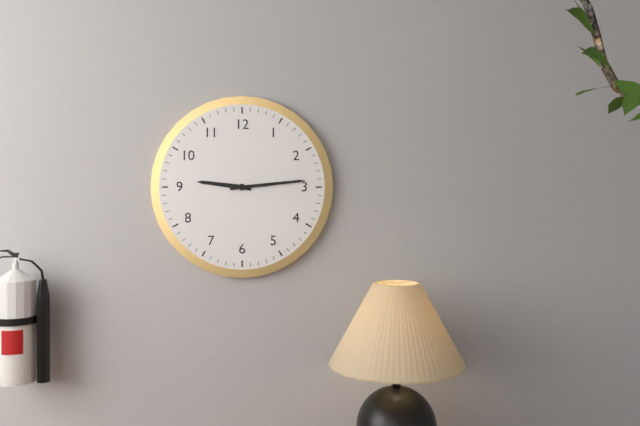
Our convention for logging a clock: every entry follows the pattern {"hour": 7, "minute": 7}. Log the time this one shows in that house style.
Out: {"hour": 9, "minute": 14}
